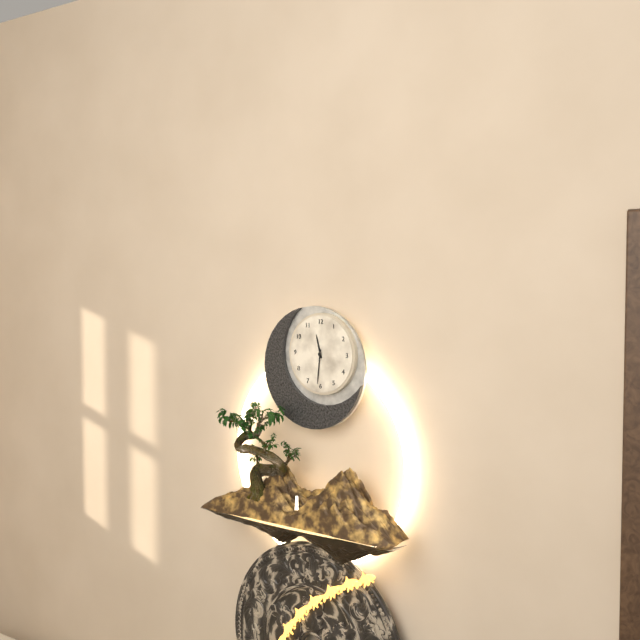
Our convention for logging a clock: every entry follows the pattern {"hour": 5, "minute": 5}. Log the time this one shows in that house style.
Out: {"hour": 11, "minute": 31}
